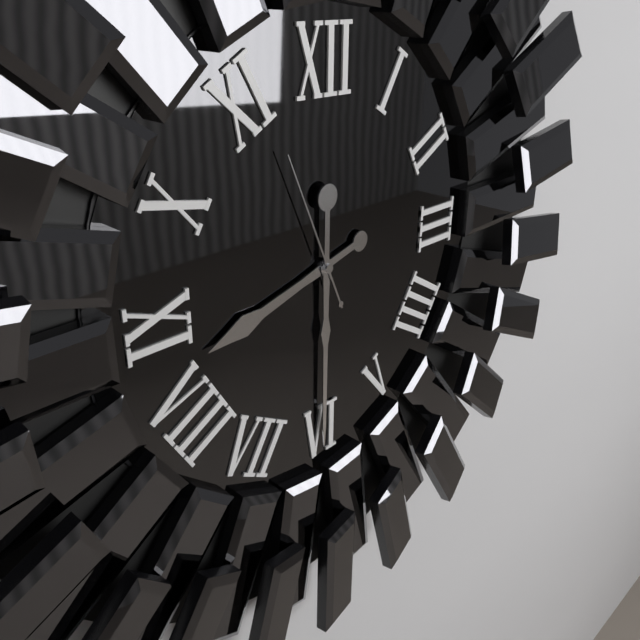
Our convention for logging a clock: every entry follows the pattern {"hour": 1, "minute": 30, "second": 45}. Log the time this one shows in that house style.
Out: {"hour": 8, "minute": 30, "second": 56}
